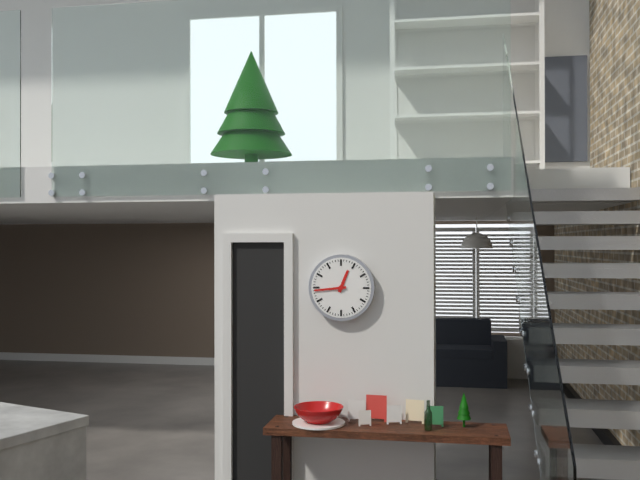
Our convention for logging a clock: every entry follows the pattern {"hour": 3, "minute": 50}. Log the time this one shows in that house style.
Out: {"hour": 12, "minute": 44}
